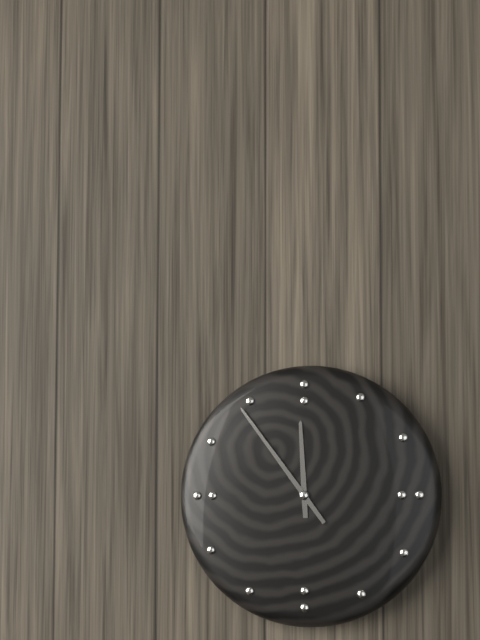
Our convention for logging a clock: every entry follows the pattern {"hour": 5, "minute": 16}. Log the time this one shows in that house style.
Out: {"hour": 11, "minute": 54}
